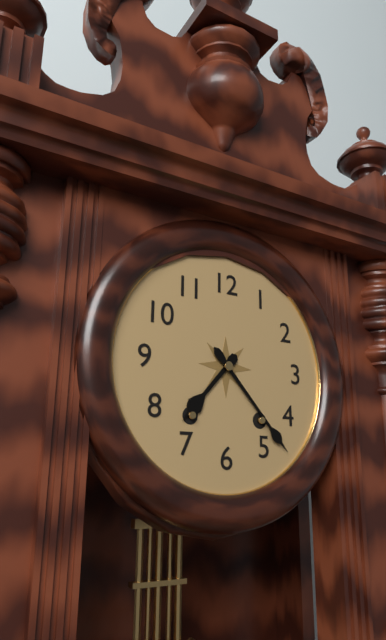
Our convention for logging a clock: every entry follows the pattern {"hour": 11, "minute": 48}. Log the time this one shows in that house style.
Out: {"hour": 7, "minute": 23}
